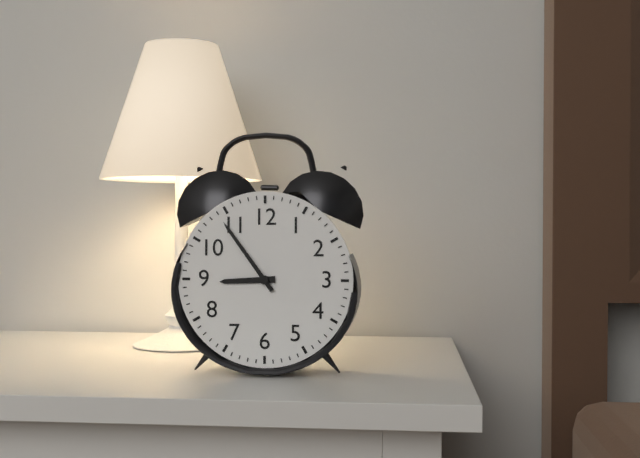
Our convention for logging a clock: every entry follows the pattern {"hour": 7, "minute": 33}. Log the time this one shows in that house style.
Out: {"hour": 8, "minute": 54}
